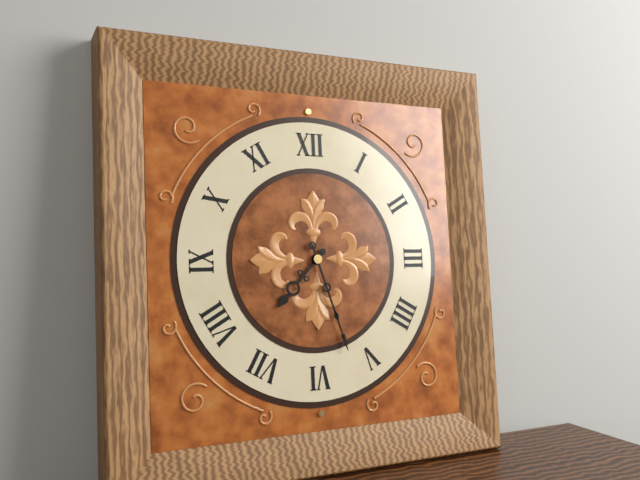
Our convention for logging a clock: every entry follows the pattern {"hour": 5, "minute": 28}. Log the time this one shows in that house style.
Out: {"hour": 7, "minute": 27}
